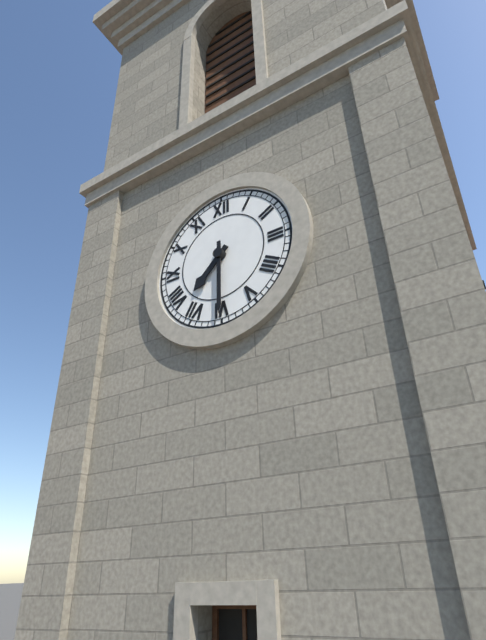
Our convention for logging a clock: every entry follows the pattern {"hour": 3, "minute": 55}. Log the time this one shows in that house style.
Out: {"hour": 7, "minute": 30}
